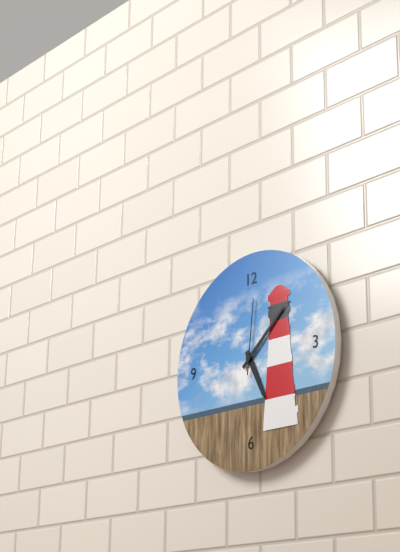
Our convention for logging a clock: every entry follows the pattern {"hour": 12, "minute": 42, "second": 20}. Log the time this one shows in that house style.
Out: {"hour": 5, "minute": 8, "second": 1}
